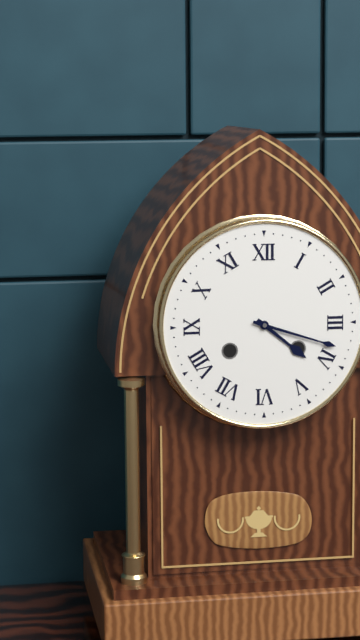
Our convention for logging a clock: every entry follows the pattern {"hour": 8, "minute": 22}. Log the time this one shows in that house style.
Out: {"hour": 4, "minute": 18}
